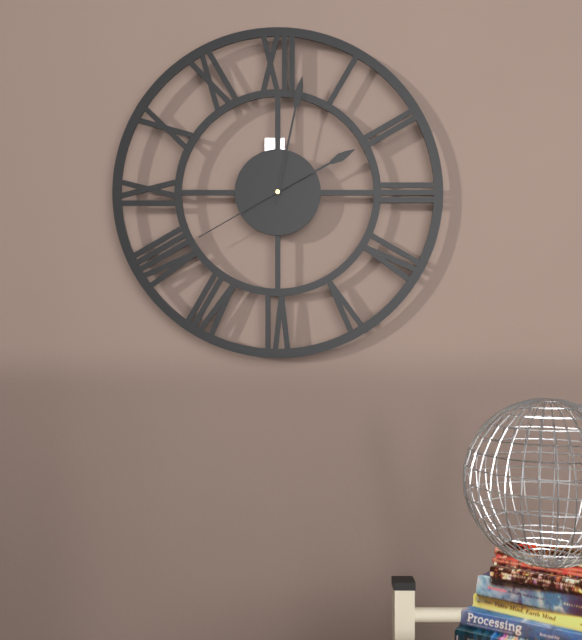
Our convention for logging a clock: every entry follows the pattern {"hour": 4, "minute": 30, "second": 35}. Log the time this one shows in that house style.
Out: {"hour": 2, "minute": 2, "second": 40}
